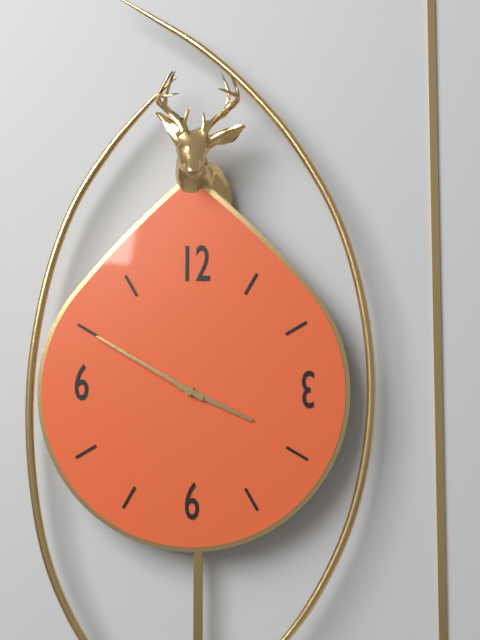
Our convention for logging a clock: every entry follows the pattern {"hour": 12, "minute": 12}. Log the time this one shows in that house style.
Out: {"hour": 3, "minute": 50}
